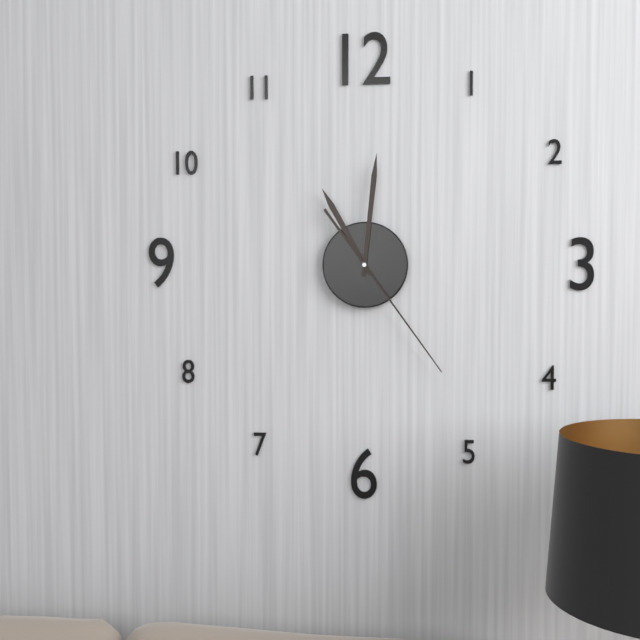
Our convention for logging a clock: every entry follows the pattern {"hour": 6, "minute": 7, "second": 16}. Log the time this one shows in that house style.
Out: {"hour": 11, "minute": 1, "second": 24}
